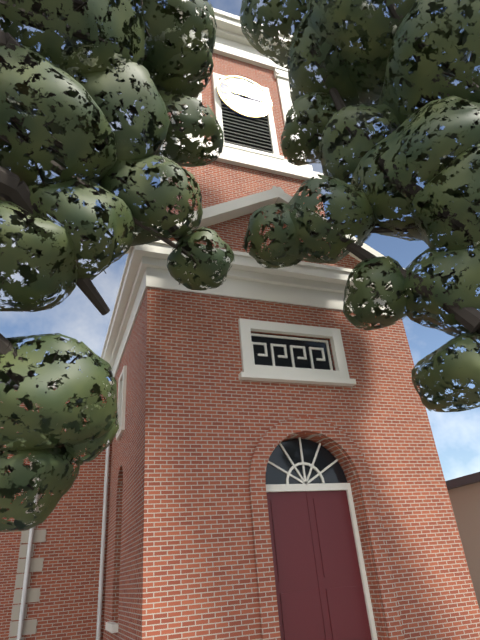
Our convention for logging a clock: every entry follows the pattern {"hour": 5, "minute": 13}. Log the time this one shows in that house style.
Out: {"hour": 9, "minute": 15}
